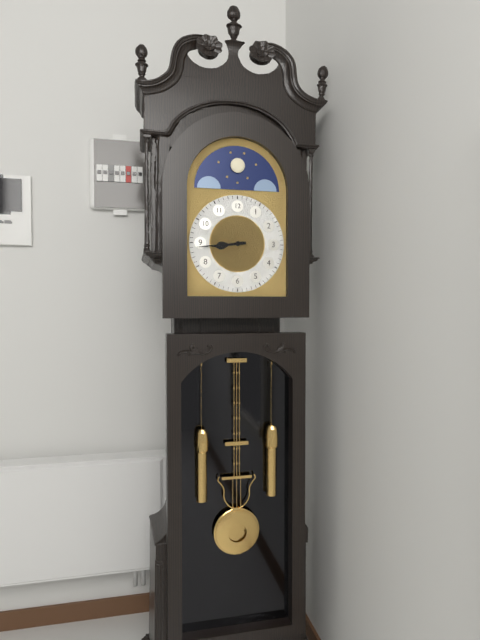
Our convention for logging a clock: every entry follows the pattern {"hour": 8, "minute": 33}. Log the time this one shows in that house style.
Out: {"hour": 8, "minute": 44}
